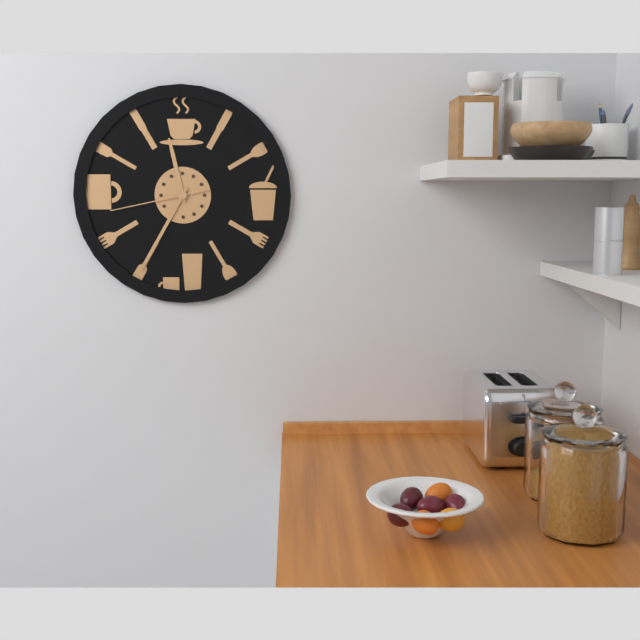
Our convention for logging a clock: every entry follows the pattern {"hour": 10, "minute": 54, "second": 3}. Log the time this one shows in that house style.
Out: {"hour": 11, "minute": 35, "second": 43}
